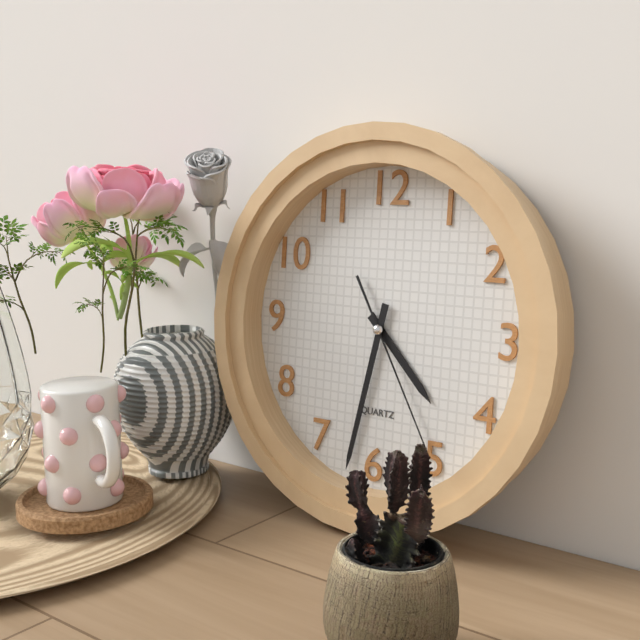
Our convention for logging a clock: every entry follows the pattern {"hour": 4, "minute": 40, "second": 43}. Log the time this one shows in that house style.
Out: {"hour": 4, "minute": 32, "second": 25}
